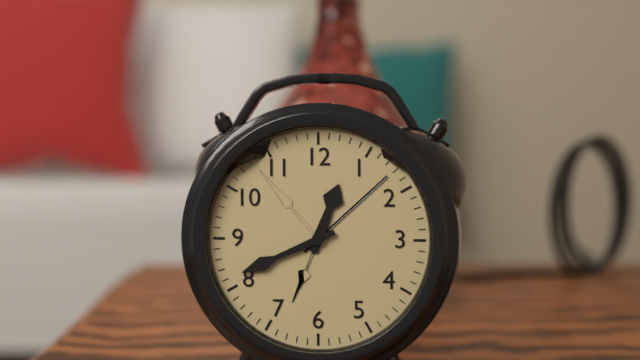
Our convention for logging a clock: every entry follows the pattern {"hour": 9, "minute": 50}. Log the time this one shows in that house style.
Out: {"hour": 12, "minute": 41}
